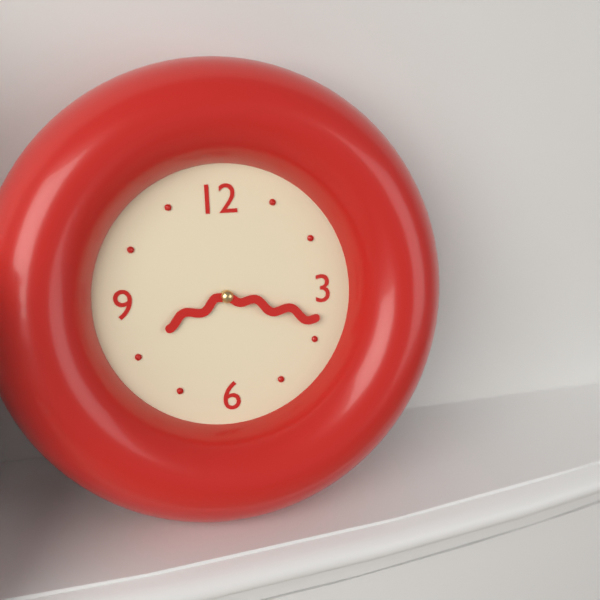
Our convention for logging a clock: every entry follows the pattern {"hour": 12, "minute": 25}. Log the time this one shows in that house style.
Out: {"hour": 8, "minute": 18}
